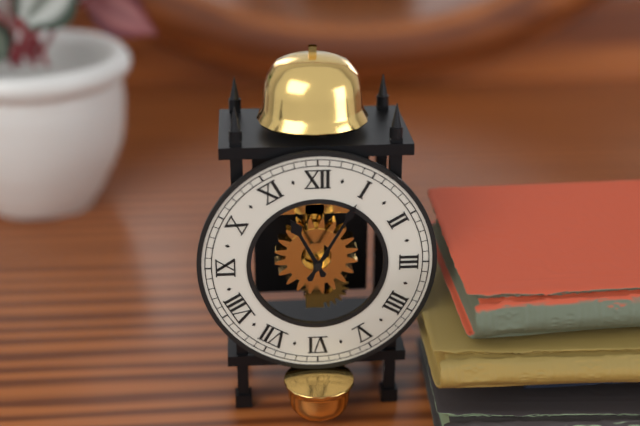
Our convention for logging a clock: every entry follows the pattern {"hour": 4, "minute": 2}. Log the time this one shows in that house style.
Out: {"hour": 11, "minute": 5}
